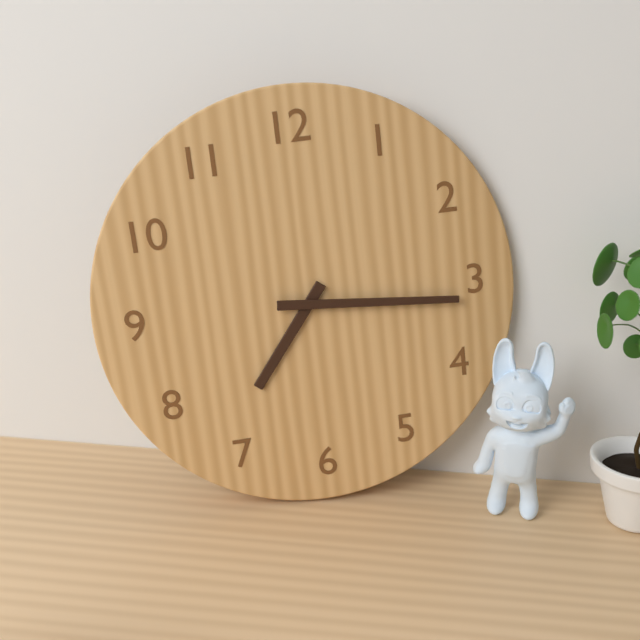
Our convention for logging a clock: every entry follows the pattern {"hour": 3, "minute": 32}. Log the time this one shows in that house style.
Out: {"hour": 7, "minute": 16}
